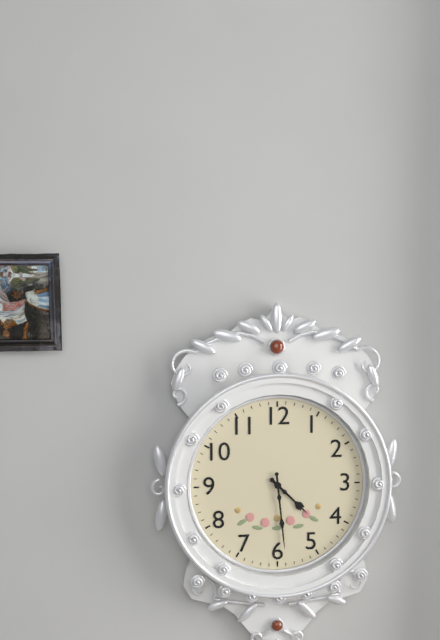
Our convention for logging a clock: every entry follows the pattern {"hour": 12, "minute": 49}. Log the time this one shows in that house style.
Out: {"hour": 4, "minute": 29}
